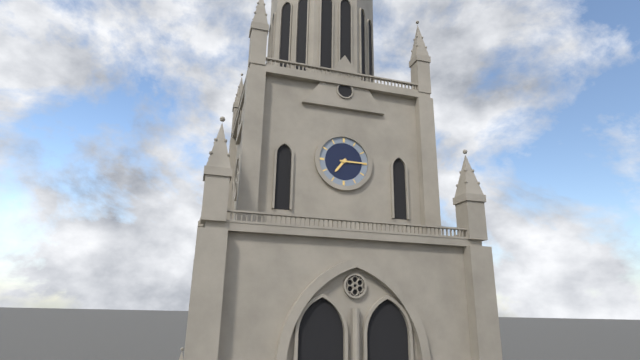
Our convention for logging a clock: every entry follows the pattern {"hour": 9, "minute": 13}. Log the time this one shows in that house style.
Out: {"hour": 7, "minute": 15}
